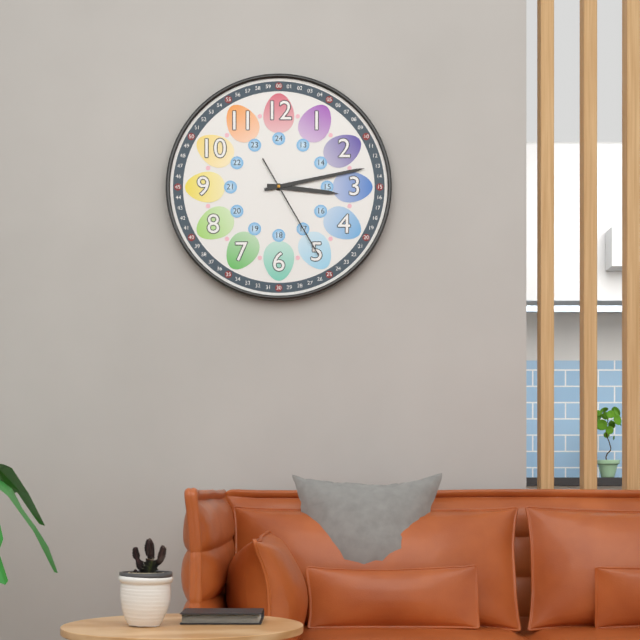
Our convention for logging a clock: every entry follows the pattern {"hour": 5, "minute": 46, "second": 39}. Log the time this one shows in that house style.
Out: {"hour": 3, "minute": 13, "second": 25}
